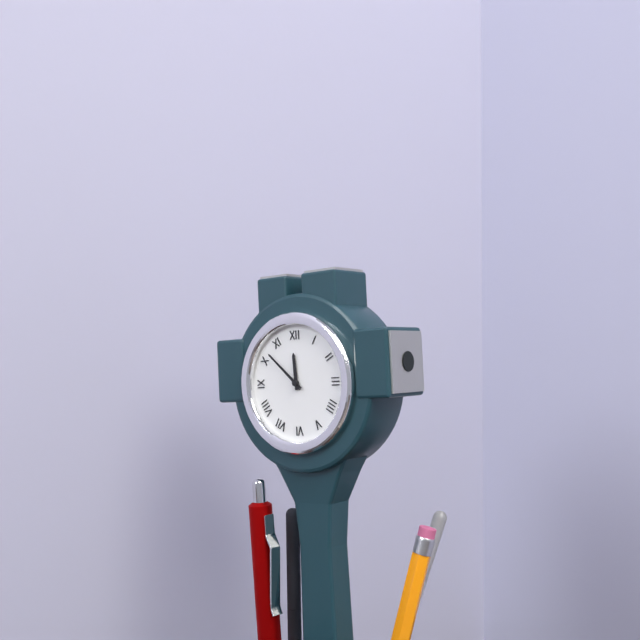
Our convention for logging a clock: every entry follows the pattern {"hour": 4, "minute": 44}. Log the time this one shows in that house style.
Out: {"hour": 11, "minute": 52}
